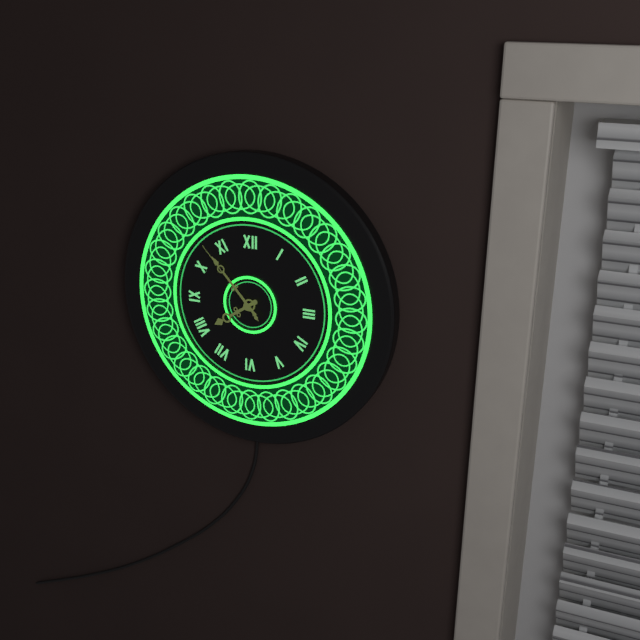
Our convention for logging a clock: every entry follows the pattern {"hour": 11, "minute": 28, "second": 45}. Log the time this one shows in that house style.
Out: {"hour": 7, "minute": 53, "second": 53}
